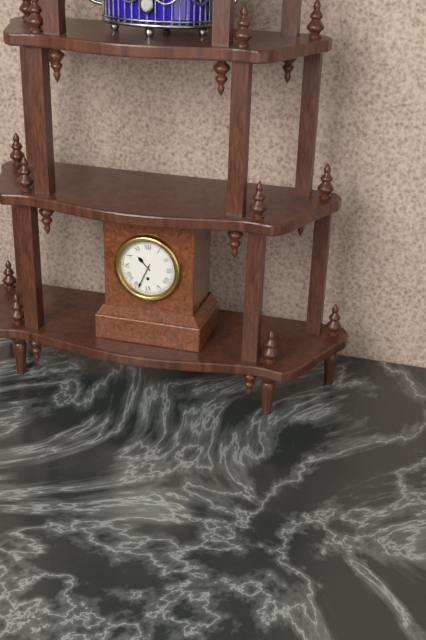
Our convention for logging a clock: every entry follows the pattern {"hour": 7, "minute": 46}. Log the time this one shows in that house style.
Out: {"hour": 10, "minute": 34}
